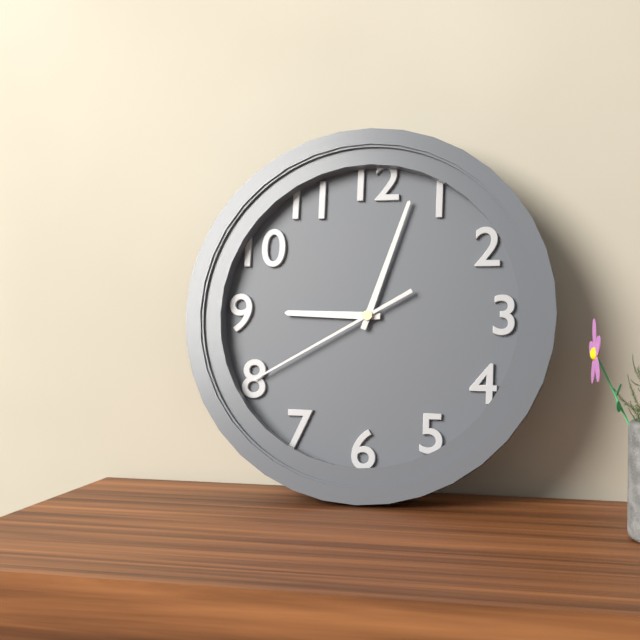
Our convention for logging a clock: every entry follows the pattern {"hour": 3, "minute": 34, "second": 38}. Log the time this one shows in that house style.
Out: {"hour": 9, "minute": 3, "second": 40}
